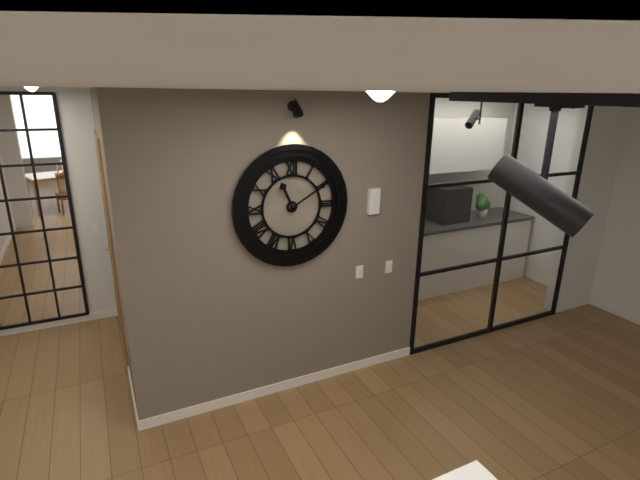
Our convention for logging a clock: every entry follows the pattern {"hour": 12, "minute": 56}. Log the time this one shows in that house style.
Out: {"hour": 11, "minute": 10}
